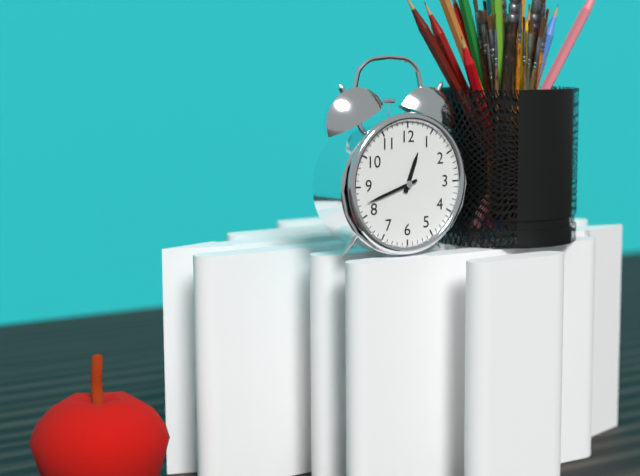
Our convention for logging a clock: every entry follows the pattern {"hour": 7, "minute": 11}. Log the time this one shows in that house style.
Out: {"hour": 12, "minute": 42}
